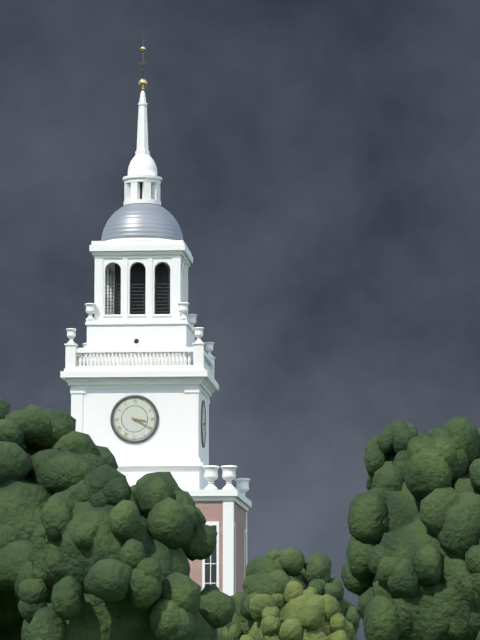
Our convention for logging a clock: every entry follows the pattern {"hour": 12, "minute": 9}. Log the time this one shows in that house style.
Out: {"hour": 3, "minute": 20}
